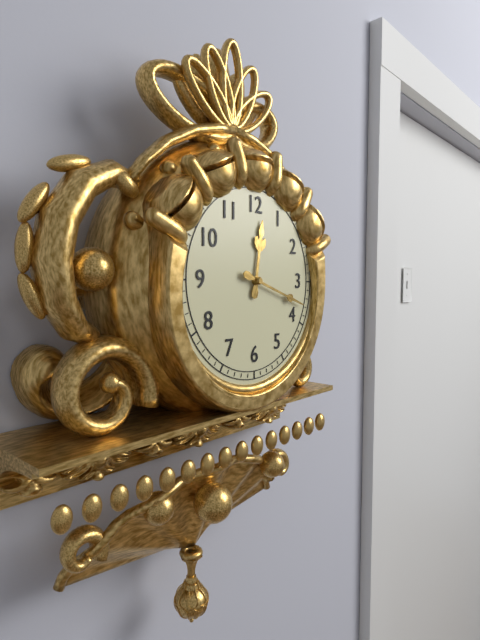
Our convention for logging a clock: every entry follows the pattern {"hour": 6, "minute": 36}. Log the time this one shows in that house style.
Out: {"hour": 12, "minute": 18}
